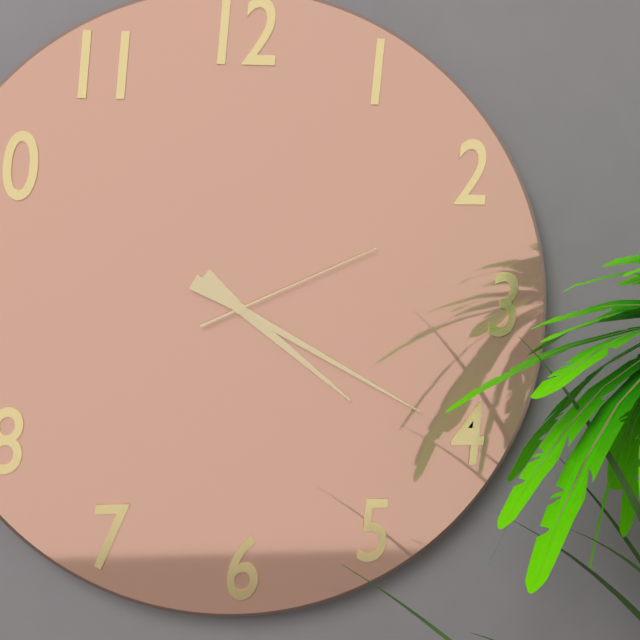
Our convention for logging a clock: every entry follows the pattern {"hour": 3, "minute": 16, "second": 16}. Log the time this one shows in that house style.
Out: {"hour": 4, "minute": 20, "second": 11}
